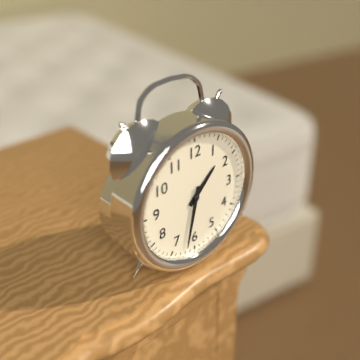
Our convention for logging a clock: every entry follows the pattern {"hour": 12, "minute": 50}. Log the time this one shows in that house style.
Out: {"hour": 1, "minute": 32}
